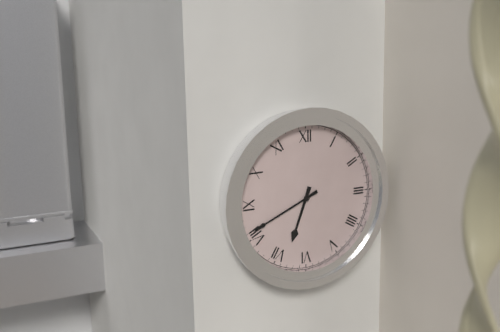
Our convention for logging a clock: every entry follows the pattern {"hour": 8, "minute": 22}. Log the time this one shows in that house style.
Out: {"hour": 6, "minute": 41}
